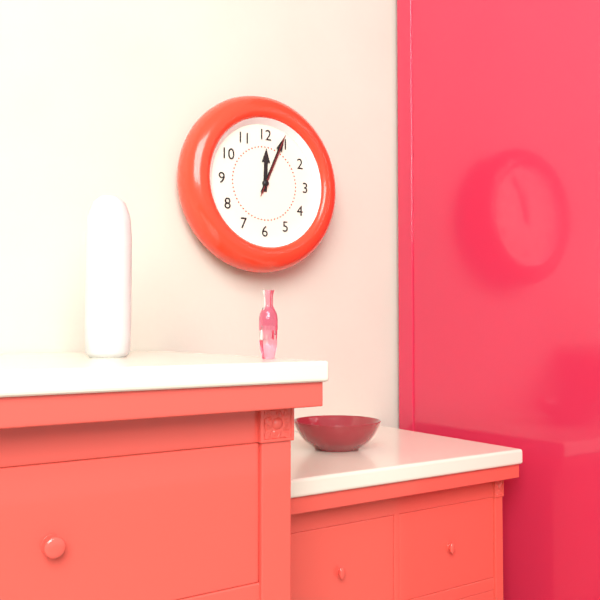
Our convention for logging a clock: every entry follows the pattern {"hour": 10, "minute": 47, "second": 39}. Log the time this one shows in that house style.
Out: {"hour": 12, "minute": 4, "second": 4}
